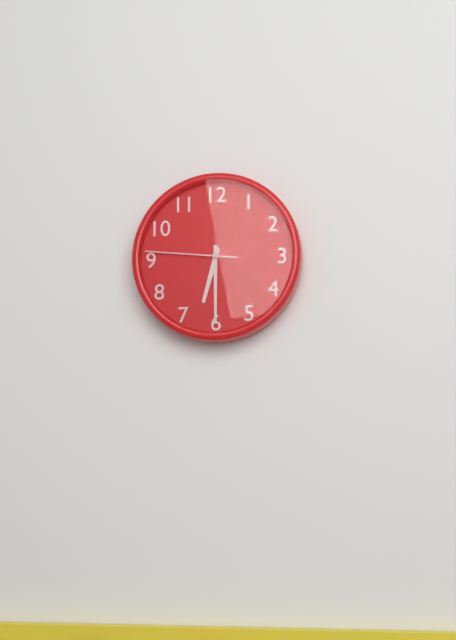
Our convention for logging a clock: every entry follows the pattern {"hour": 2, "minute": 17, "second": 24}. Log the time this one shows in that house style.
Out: {"hour": 6, "minute": 30, "second": 46}
